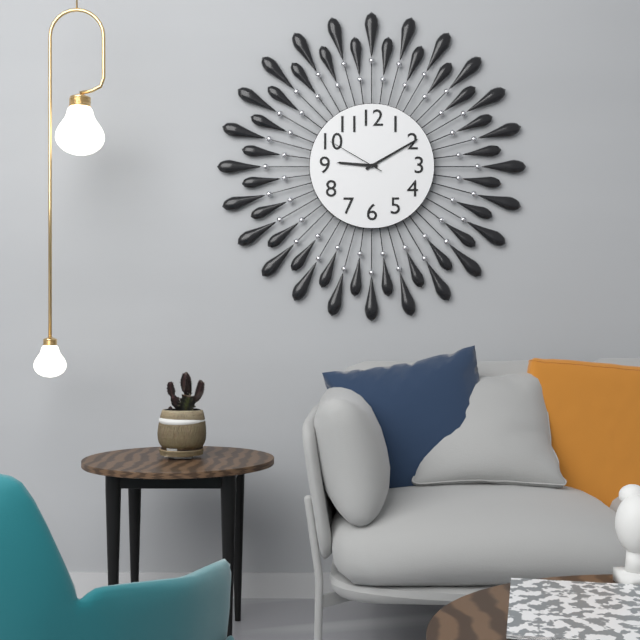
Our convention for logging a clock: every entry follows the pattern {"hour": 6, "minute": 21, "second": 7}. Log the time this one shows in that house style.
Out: {"hour": 9, "minute": 10, "second": 50}
